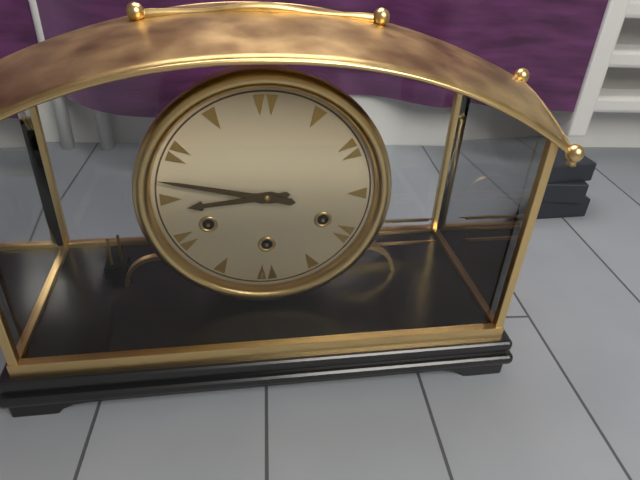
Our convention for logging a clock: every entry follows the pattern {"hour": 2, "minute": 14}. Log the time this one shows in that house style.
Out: {"hour": 8, "minute": 47}
